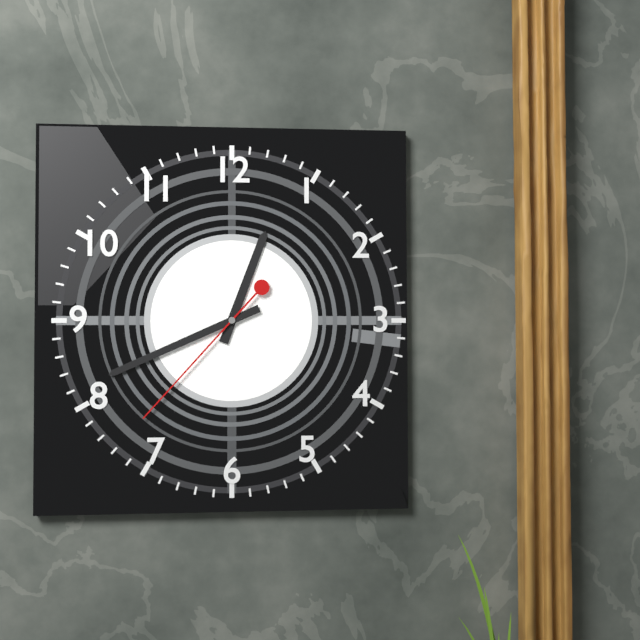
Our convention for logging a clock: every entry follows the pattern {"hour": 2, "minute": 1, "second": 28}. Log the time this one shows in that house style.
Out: {"hour": 12, "minute": 41, "second": 37}
